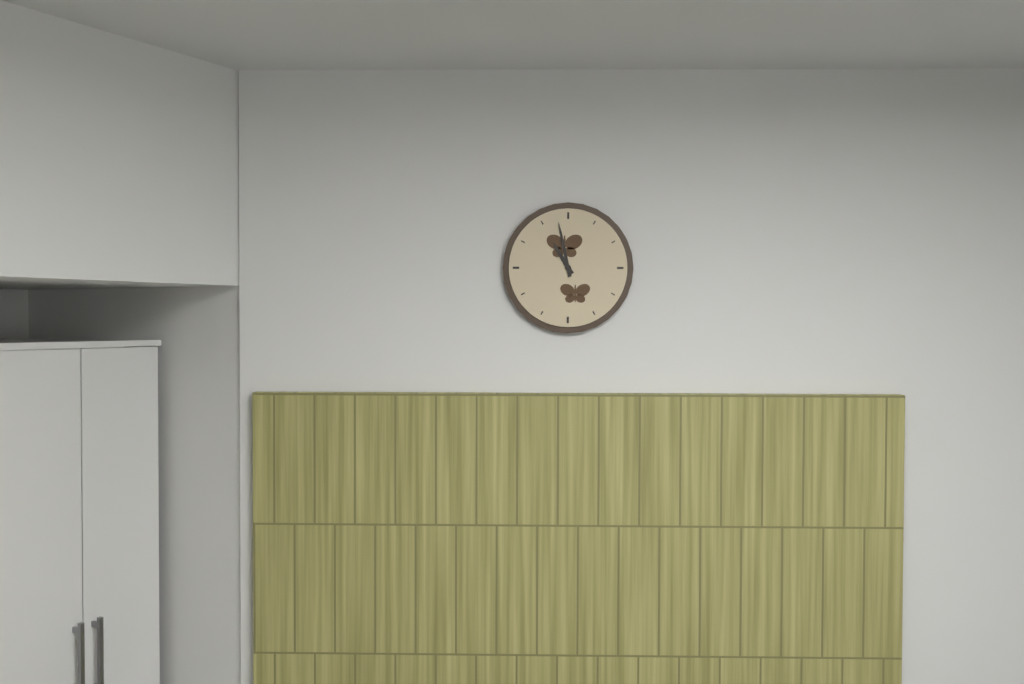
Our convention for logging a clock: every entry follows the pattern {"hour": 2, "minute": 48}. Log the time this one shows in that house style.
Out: {"hour": 10, "minute": 58}
